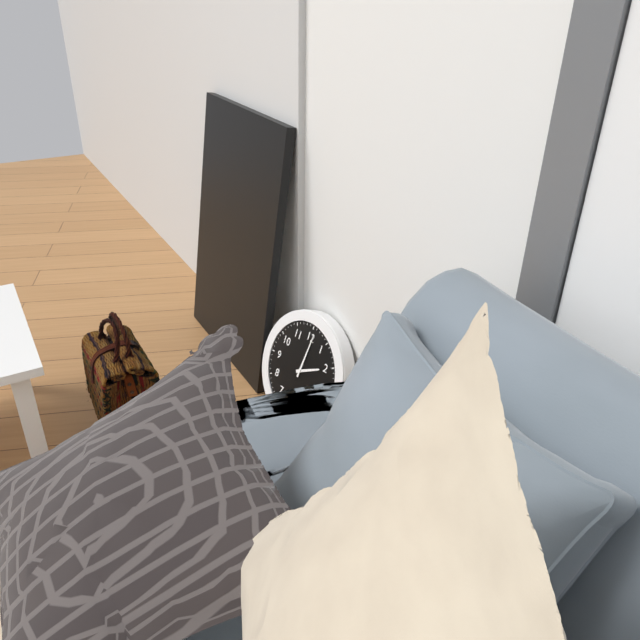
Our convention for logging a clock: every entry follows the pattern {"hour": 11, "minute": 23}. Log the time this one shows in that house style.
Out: {"hour": 2, "minute": 1}
